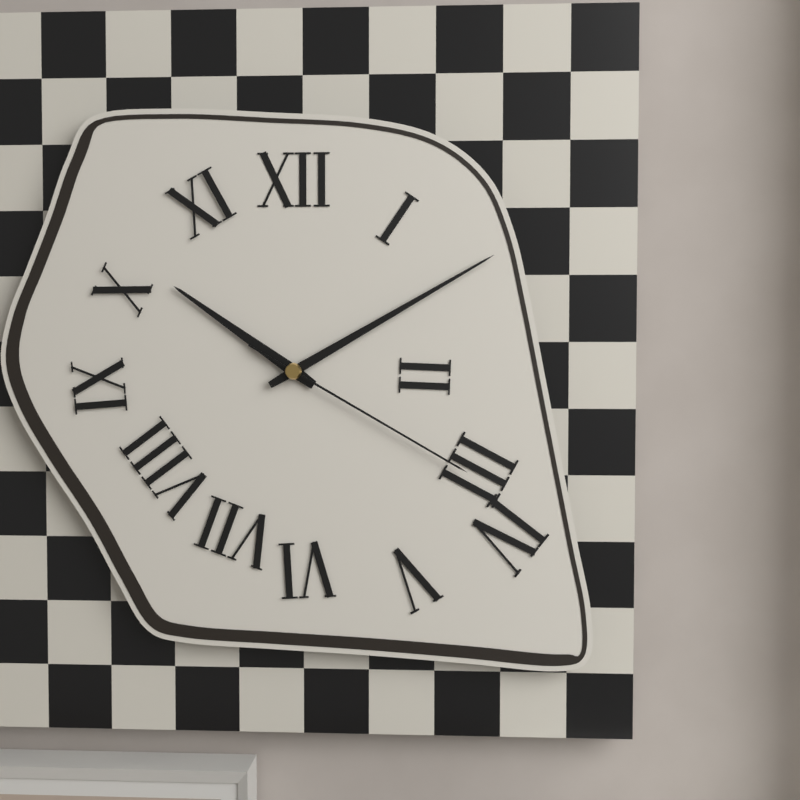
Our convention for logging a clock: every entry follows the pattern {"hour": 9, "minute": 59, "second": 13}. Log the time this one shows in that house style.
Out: {"hour": 10, "minute": 10, "second": 20}
